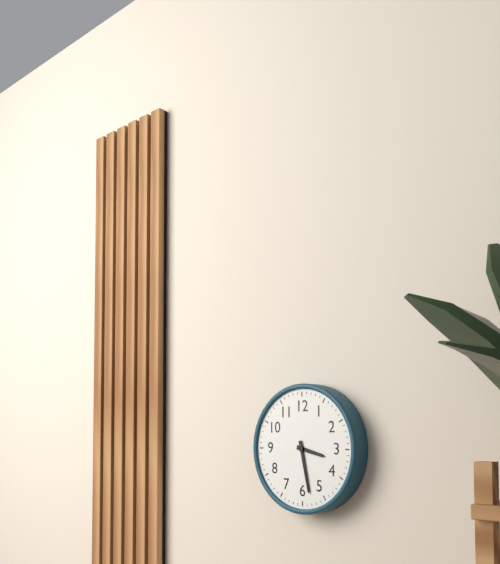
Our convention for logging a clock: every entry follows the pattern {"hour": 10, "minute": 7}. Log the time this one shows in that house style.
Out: {"hour": 3, "minute": 28}
